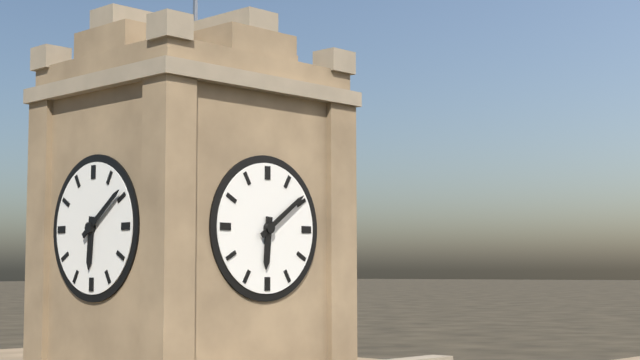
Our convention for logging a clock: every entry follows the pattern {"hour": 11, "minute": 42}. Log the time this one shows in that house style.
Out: {"hour": 6, "minute": 9}
